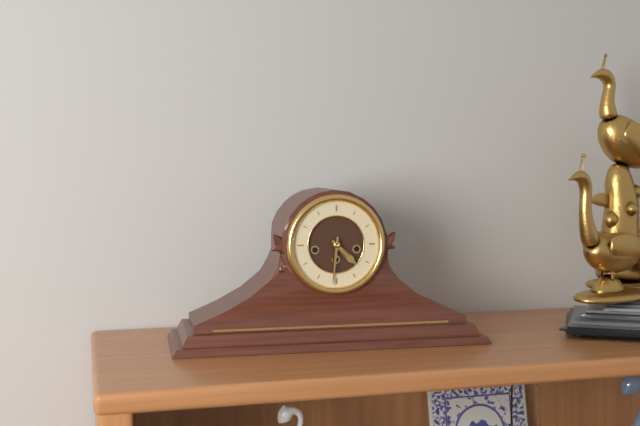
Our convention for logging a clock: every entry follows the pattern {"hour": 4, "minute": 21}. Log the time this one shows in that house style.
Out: {"hour": 4, "minute": 31}
